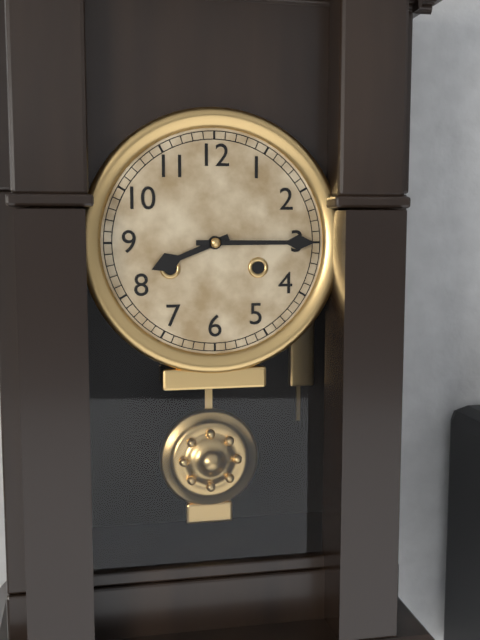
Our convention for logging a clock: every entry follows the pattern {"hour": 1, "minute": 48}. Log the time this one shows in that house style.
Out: {"hour": 8, "minute": 15}
